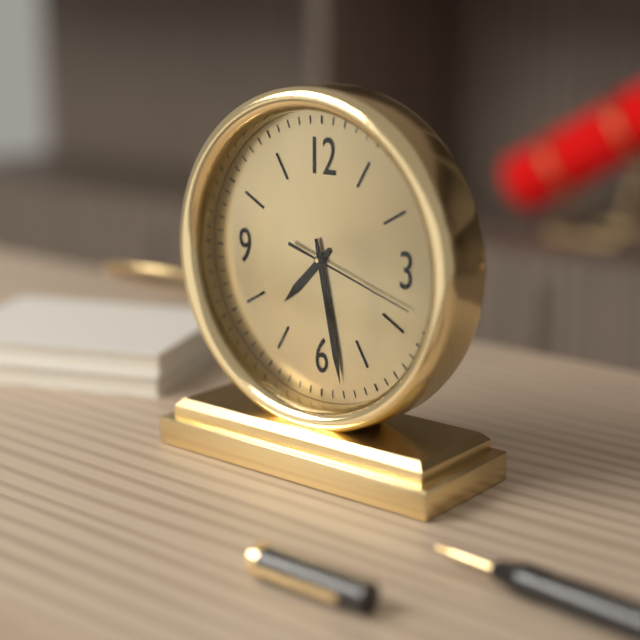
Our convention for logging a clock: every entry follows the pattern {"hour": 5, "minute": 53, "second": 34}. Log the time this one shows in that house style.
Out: {"hour": 7, "minute": 28, "second": 18}
